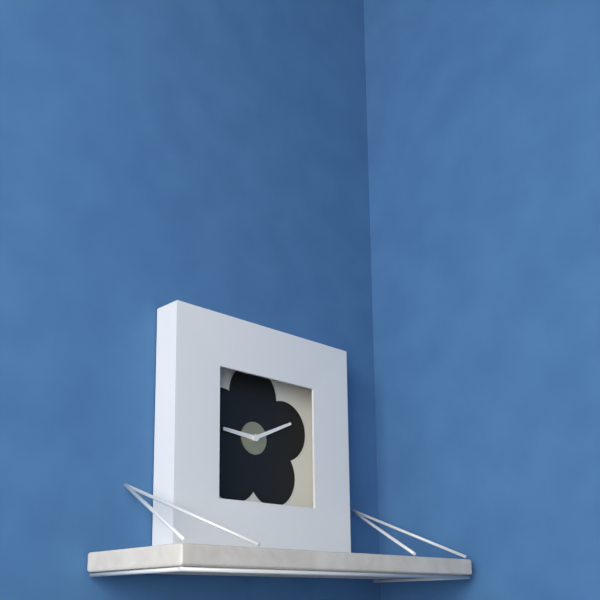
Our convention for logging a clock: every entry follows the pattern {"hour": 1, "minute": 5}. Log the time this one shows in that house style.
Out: {"hour": 9, "minute": 11}
